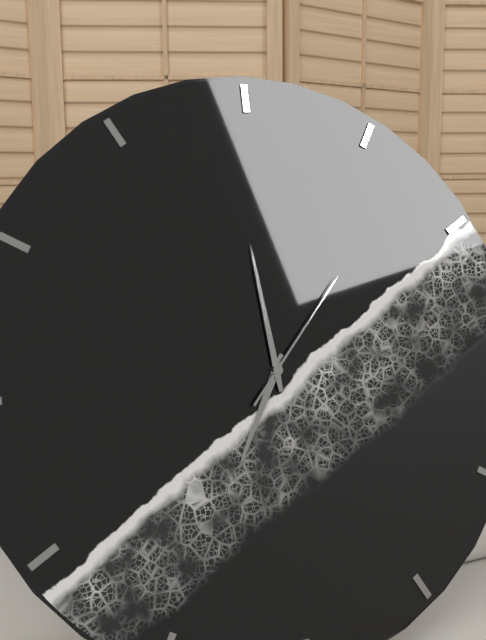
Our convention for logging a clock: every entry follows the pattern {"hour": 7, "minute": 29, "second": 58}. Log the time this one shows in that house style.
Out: {"hour": 6, "minute": 59, "second": 7}
